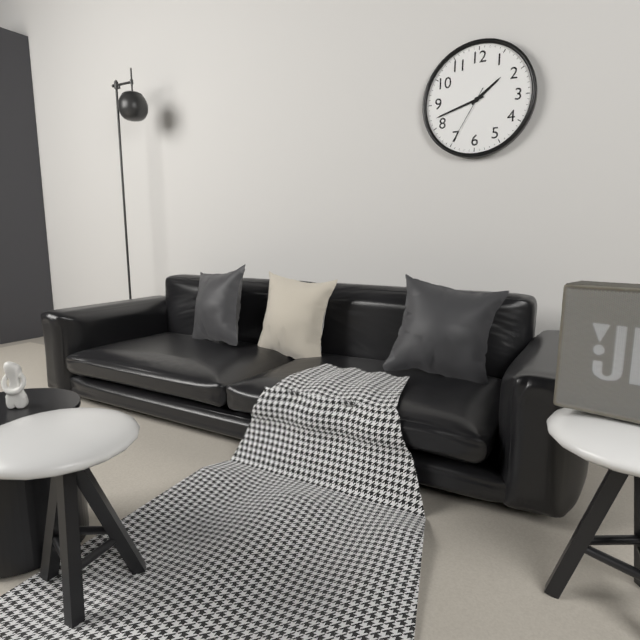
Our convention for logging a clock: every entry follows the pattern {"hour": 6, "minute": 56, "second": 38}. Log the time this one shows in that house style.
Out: {"hour": 1, "minute": 42, "second": 35}
